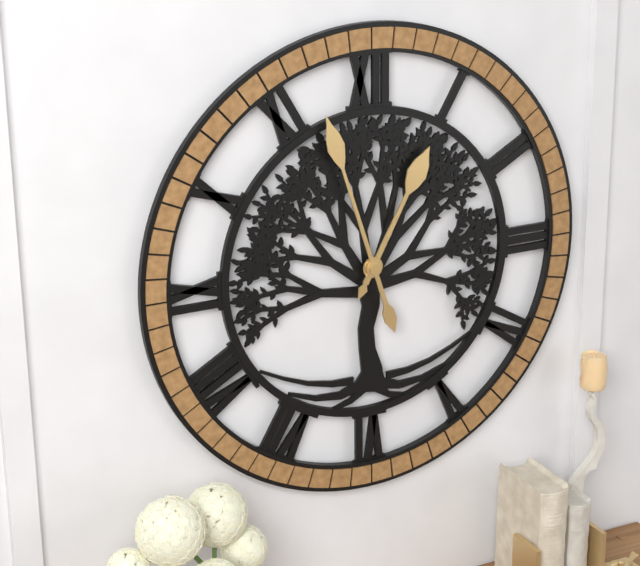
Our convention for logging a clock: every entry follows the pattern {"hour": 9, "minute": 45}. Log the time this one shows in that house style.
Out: {"hour": 12, "minute": 57}
